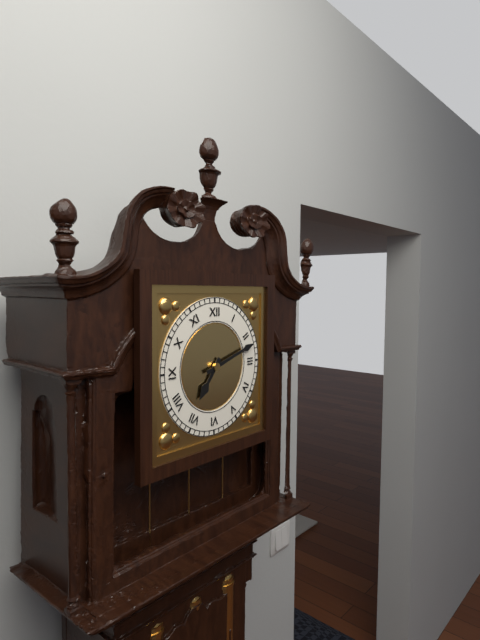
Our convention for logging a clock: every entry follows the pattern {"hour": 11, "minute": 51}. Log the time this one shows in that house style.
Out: {"hour": 7, "minute": 12}
